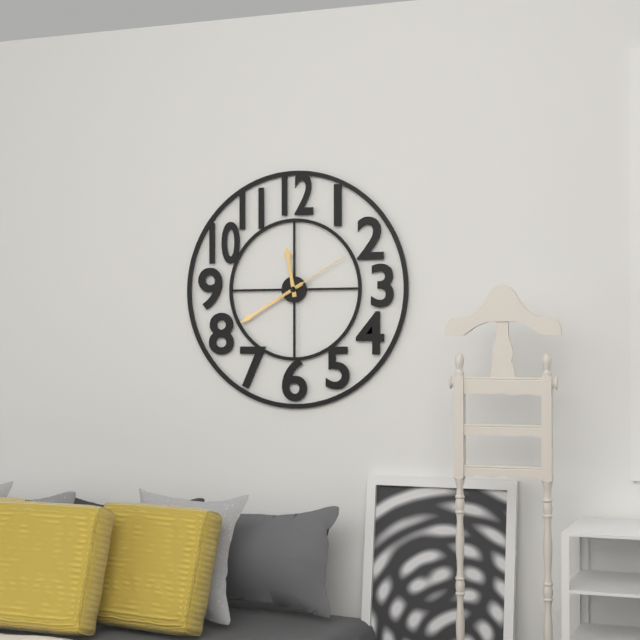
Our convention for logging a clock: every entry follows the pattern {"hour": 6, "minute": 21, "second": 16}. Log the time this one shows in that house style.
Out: {"hour": 11, "minute": 40, "second": 10}
